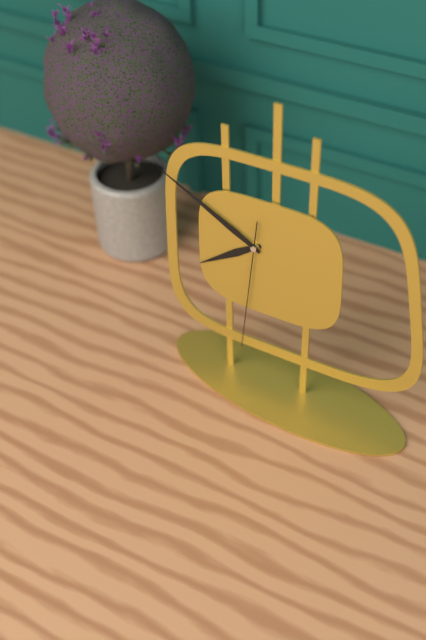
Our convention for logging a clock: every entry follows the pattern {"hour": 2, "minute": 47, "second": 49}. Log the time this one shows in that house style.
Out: {"hour": 7, "minute": 50, "second": 31}
